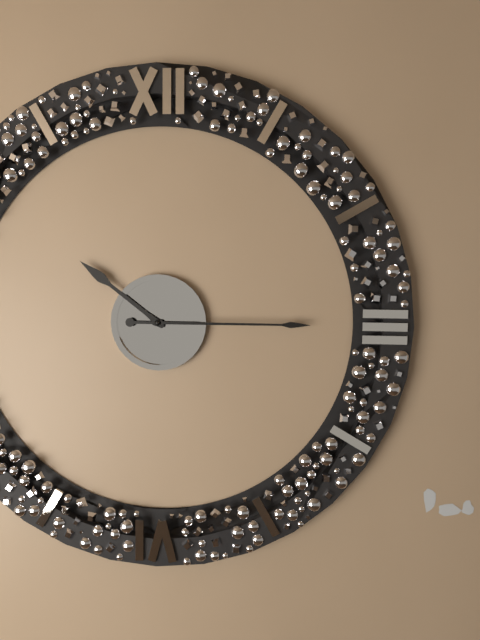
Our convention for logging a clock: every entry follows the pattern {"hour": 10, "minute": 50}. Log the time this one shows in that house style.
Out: {"hour": 10, "minute": 15}
